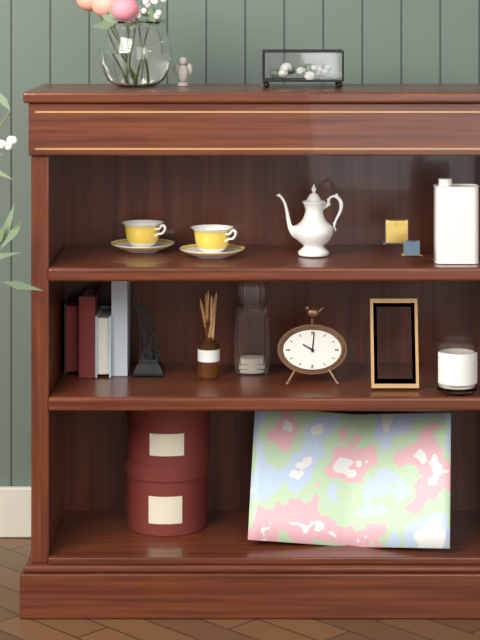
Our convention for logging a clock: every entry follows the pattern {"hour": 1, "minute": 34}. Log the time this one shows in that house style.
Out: {"hour": 10, "minute": 1}
